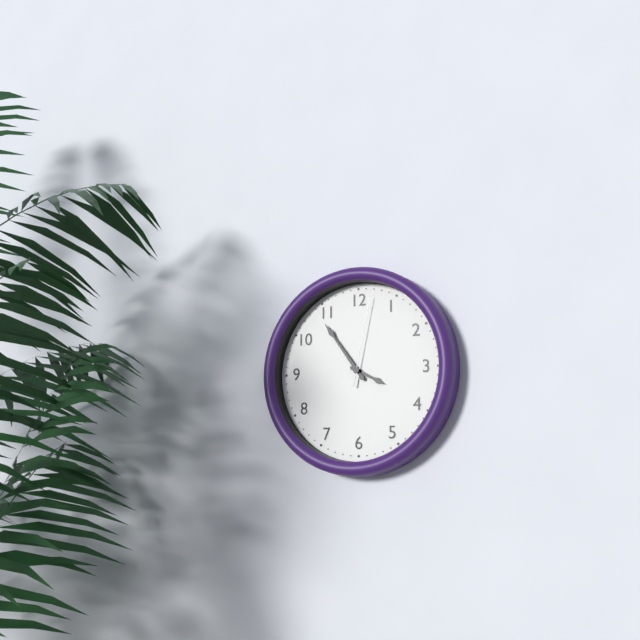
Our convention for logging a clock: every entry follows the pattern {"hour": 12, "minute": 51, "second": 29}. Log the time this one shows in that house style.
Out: {"hour": 3, "minute": 54, "second": 2}
